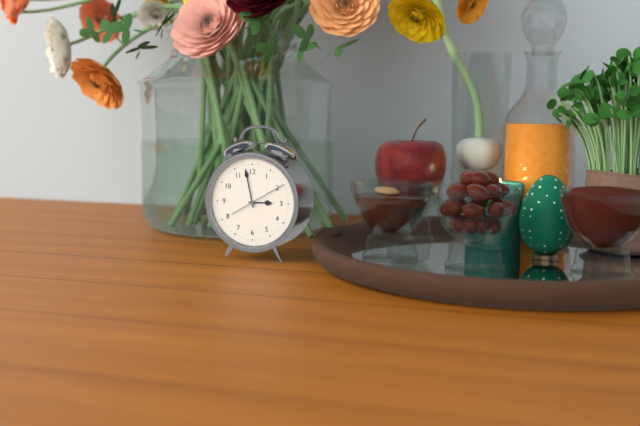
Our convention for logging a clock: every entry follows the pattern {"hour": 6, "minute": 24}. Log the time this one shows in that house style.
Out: {"hour": 2, "minute": 58}
